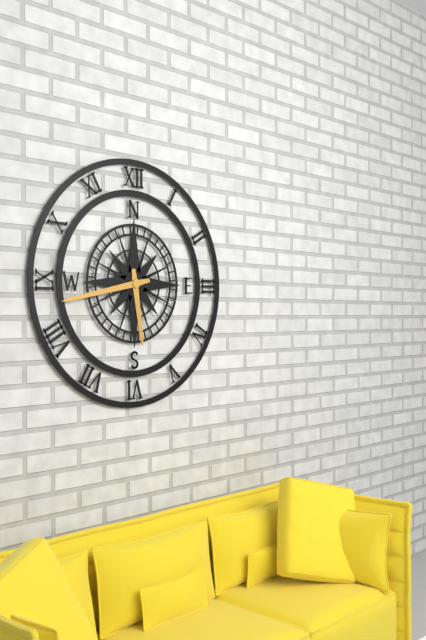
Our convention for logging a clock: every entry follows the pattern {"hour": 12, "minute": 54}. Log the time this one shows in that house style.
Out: {"hour": 5, "minute": 43}
